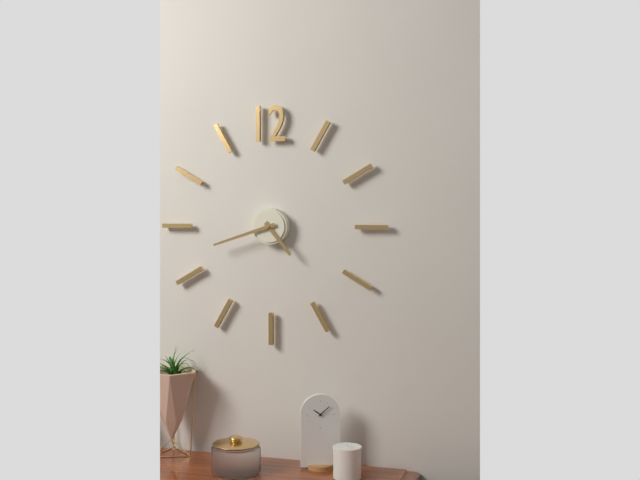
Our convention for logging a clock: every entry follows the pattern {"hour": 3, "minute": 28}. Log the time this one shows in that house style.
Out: {"hour": 4, "minute": 42}
